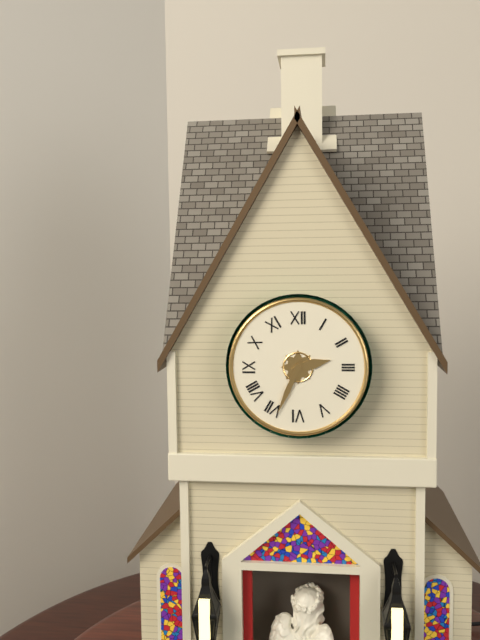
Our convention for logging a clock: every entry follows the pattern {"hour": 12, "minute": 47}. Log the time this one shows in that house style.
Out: {"hour": 2, "minute": 34}
